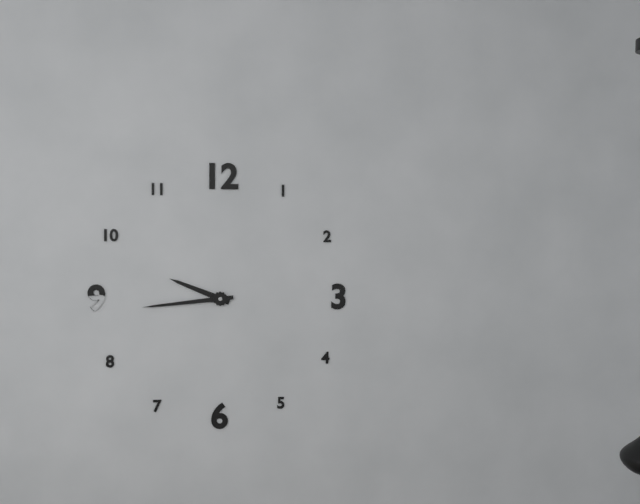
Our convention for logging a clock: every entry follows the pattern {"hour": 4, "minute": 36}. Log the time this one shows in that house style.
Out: {"hour": 9, "minute": 44}
